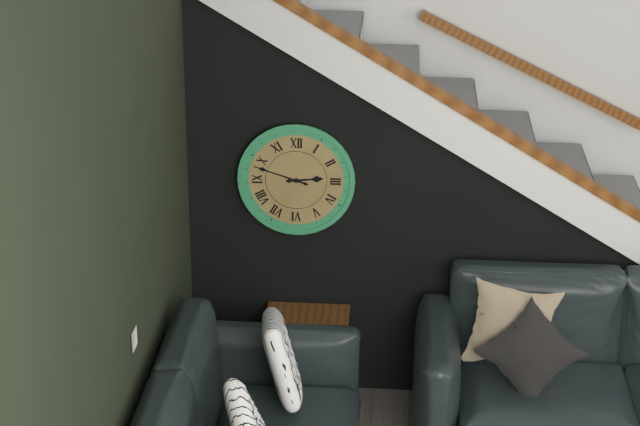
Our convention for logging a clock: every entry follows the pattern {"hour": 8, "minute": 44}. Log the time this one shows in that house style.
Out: {"hour": 2, "minute": 48}
